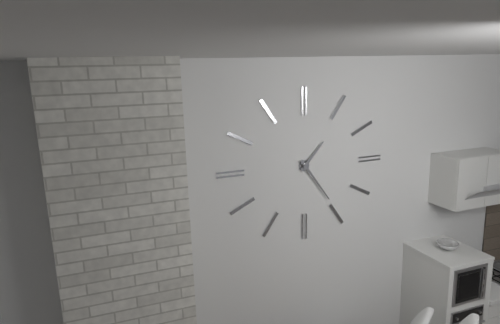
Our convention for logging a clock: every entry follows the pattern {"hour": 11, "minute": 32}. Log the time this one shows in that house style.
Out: {"hour": 1, "minute": 24}
